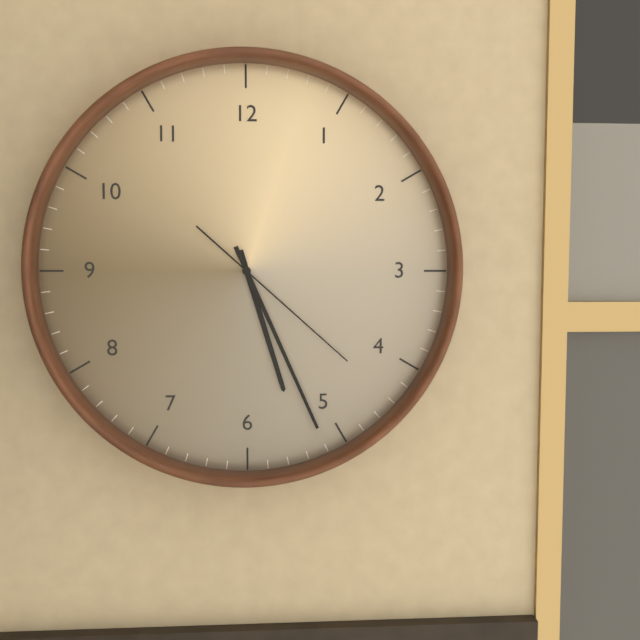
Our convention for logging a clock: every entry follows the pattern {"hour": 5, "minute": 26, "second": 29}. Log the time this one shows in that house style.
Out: {"hour": 5, "minute": 26, "second": 22}
